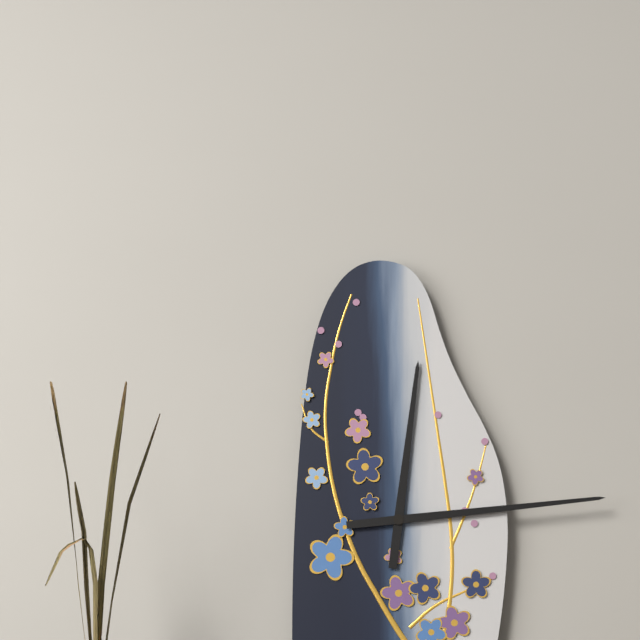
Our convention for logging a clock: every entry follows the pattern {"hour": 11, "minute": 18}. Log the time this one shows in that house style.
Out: {"hour": 12, "minute": 14}
